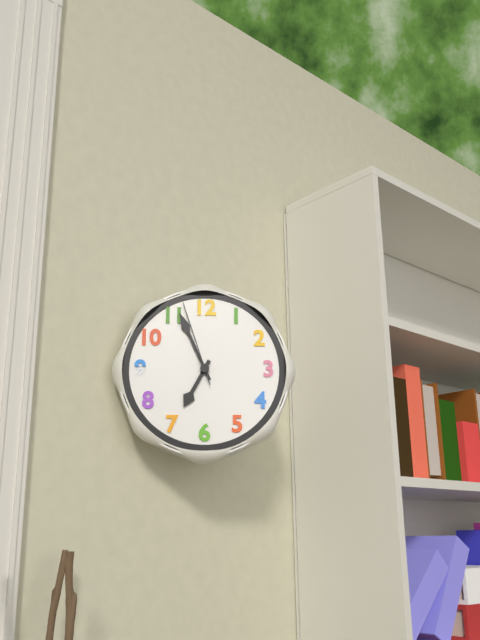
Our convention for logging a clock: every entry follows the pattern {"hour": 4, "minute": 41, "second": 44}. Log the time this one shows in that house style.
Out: {"hour": 6, "minute": 56, "second": 57}
